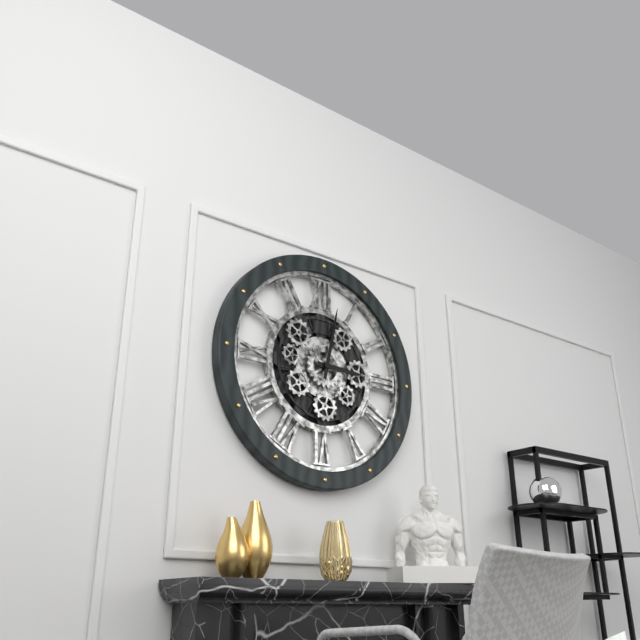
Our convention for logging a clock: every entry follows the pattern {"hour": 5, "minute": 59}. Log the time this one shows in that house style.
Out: {"hour": 3, "minute": 2}
